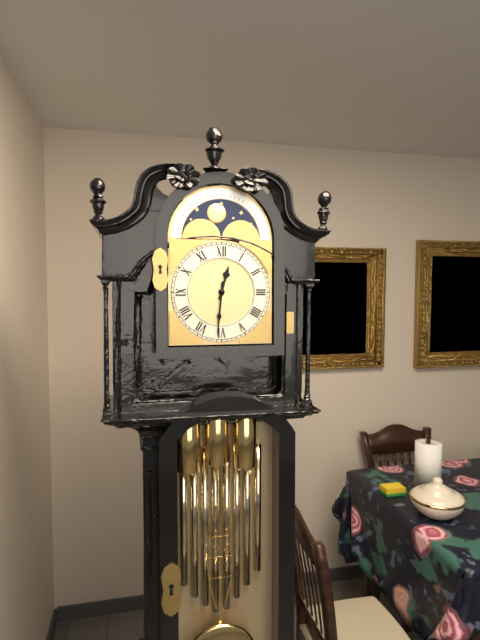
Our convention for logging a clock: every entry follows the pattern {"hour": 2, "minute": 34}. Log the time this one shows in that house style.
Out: {"hour": 12, "minute": 31}
